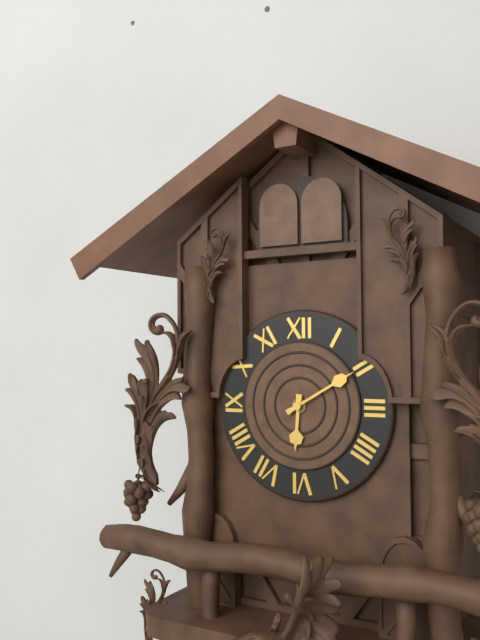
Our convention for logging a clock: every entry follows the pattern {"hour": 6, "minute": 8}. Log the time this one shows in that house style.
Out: {"hour": 6, "minute": 10}
